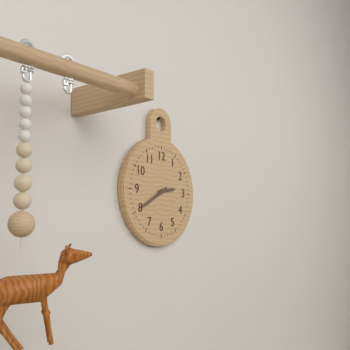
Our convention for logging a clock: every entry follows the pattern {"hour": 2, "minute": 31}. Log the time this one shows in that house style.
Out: {"hour": 2, "minute": 40}
